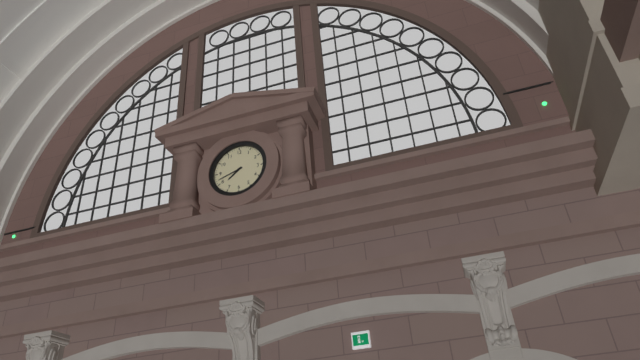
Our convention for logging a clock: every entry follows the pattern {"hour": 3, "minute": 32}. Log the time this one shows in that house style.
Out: {"hour": 7, "minute": 42}
